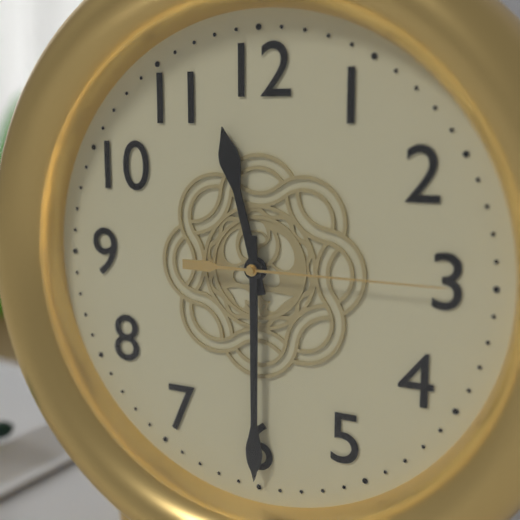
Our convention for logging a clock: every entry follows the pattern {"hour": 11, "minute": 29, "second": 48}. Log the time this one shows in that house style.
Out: {"hour": 11, "minute": 30, "second": 15}
